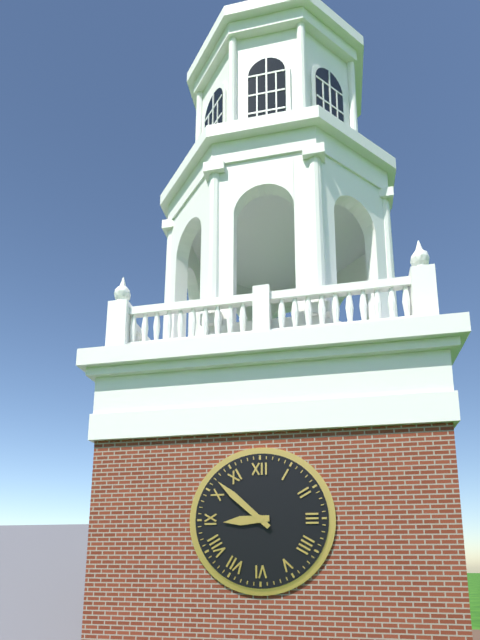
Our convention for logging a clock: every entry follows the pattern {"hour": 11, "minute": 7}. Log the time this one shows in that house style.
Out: {"hour": 8, "minute": 52}
